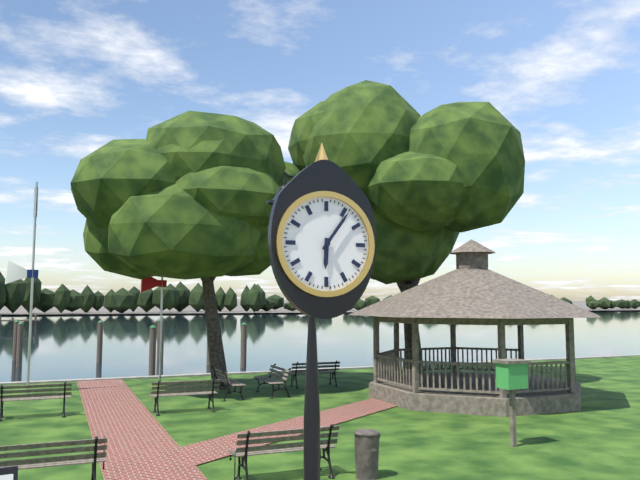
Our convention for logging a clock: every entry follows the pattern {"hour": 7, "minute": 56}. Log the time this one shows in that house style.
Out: {"hour": 6, "minute": 6}
